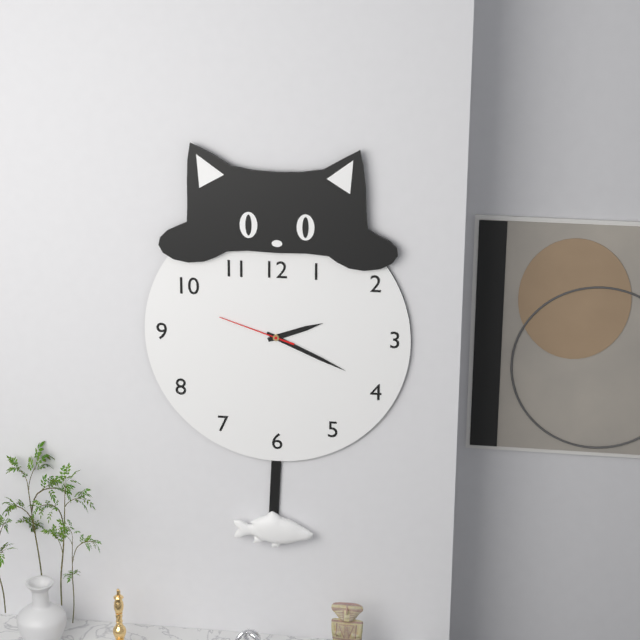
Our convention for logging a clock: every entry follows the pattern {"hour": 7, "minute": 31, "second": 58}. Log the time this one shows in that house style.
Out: {"hour": 2, "minute": 19, "second": 48}
